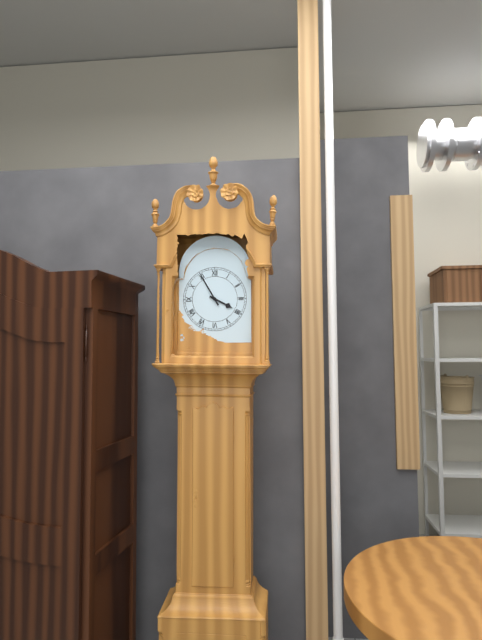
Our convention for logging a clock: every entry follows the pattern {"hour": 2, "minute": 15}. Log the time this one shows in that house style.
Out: {"hour": 3, "minute": 55}
